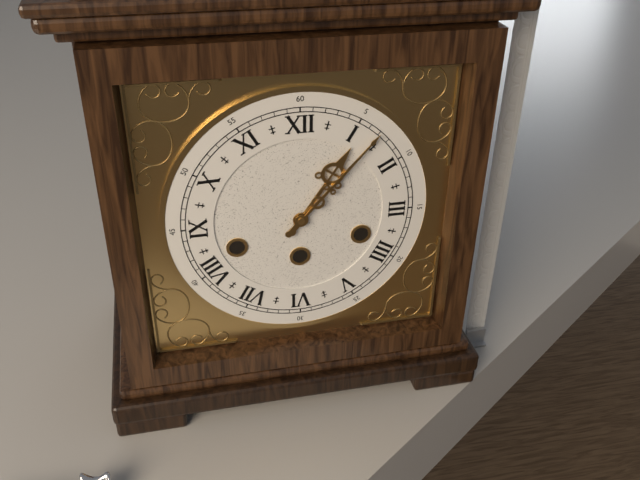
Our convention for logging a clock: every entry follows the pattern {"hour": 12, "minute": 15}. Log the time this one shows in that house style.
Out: {"hour": 1, "minute": 7}
